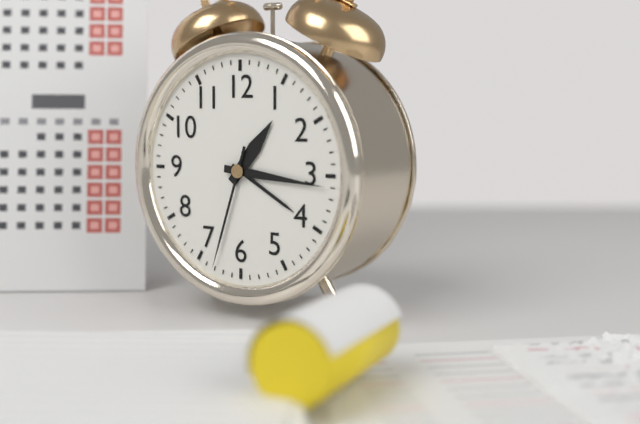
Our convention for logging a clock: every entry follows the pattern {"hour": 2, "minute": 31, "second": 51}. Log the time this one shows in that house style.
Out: {"hour": 1, "minute": 16, "second": 33}
